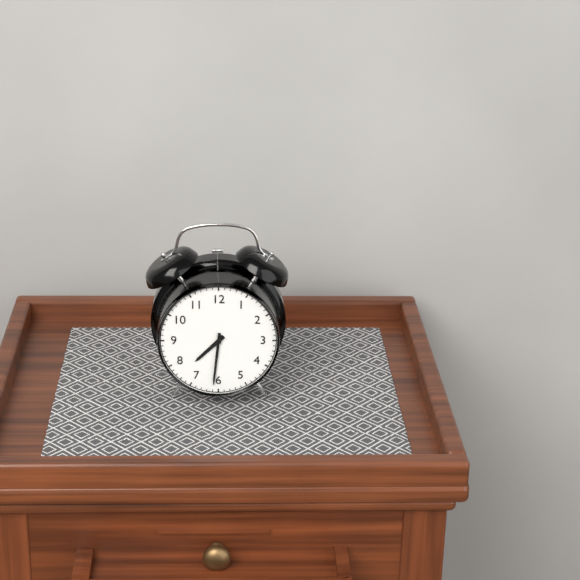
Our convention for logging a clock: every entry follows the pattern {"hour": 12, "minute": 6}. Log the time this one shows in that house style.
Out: {"hour": 7, "minute": 31}
